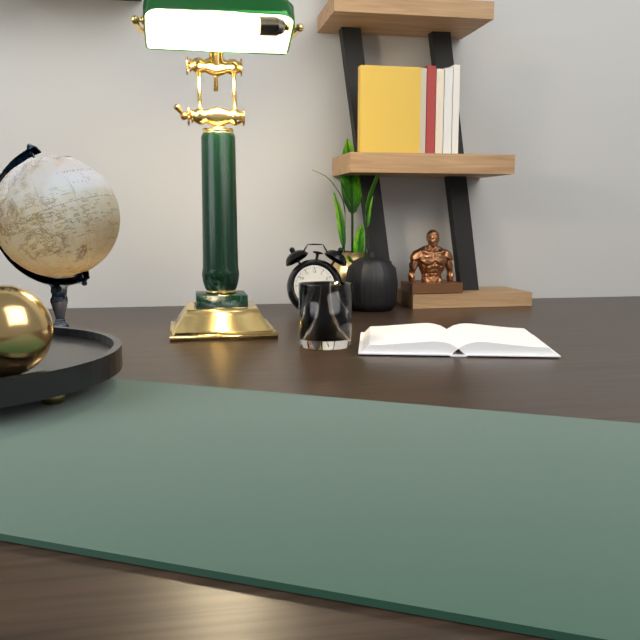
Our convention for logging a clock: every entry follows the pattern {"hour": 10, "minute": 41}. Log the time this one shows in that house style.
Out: {"hour": 4, "minute": 25}
